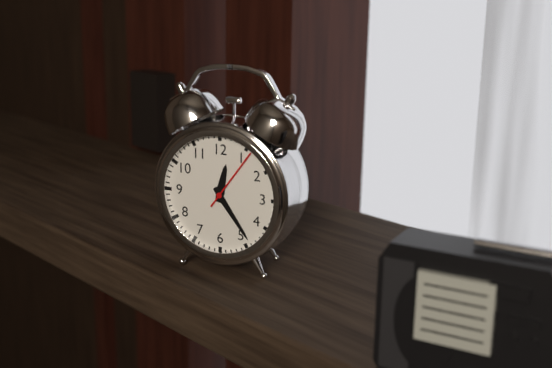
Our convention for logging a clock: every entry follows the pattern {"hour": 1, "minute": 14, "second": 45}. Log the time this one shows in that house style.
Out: {"hour": 12, "minute": 24, "second": 6}
